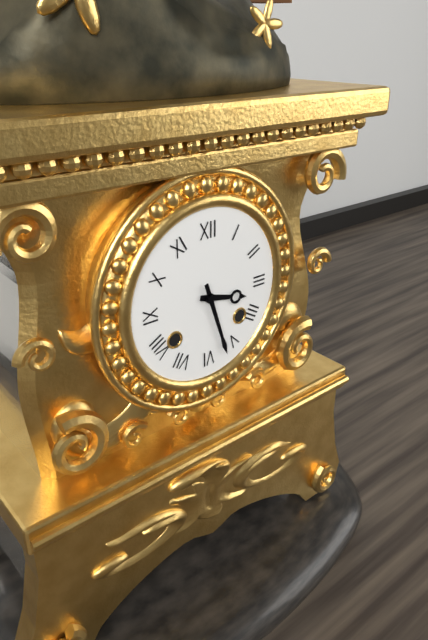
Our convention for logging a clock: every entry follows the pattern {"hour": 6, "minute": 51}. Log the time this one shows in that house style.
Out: {"hour": 3, "minute": 27}
